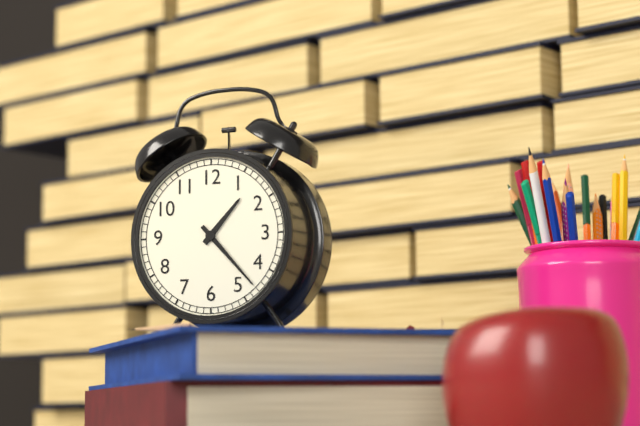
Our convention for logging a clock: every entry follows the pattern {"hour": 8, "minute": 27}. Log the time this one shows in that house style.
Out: {"hour": 1, "minute": 23}
